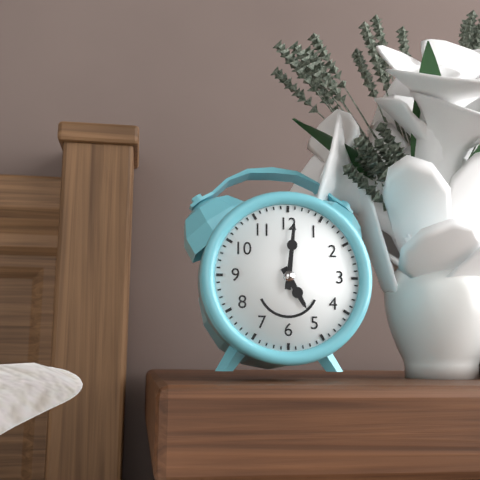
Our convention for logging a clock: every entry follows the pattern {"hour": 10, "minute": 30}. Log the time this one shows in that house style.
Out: {"hour": 5, "minute": 1}
